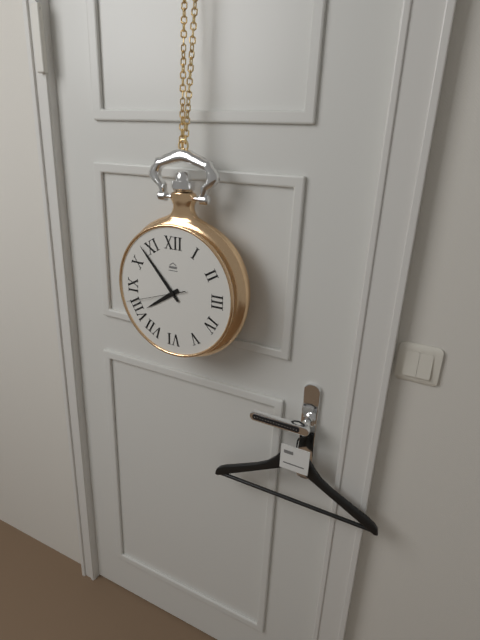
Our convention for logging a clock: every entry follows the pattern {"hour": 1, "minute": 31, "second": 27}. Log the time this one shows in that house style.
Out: {"hour": 7, "minute": 53, "second": 42}
